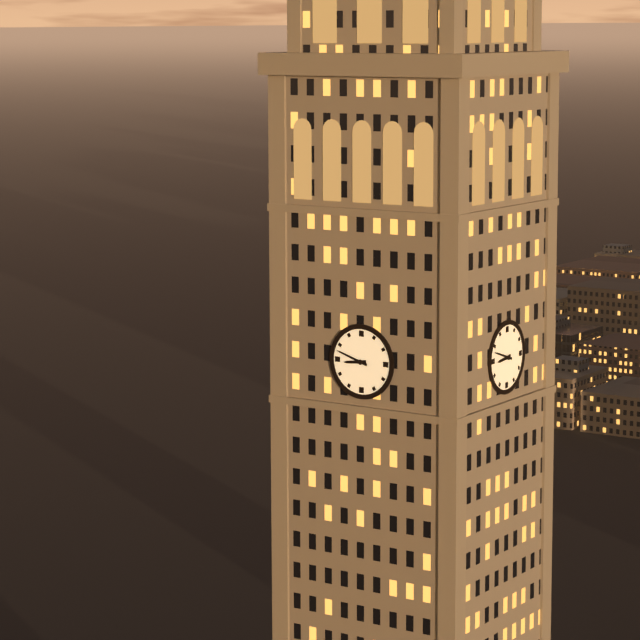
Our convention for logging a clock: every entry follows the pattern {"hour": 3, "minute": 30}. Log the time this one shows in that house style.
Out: {"hour": 8, "minute": 48}
